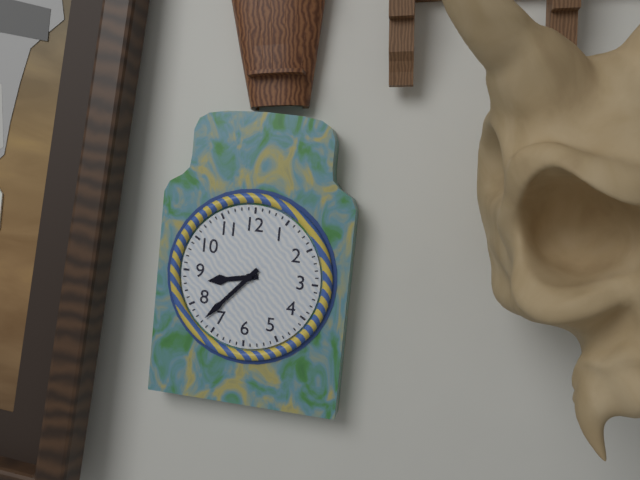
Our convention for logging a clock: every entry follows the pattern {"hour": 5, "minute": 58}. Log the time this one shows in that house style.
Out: {"hour": 8, "minute": 37}
